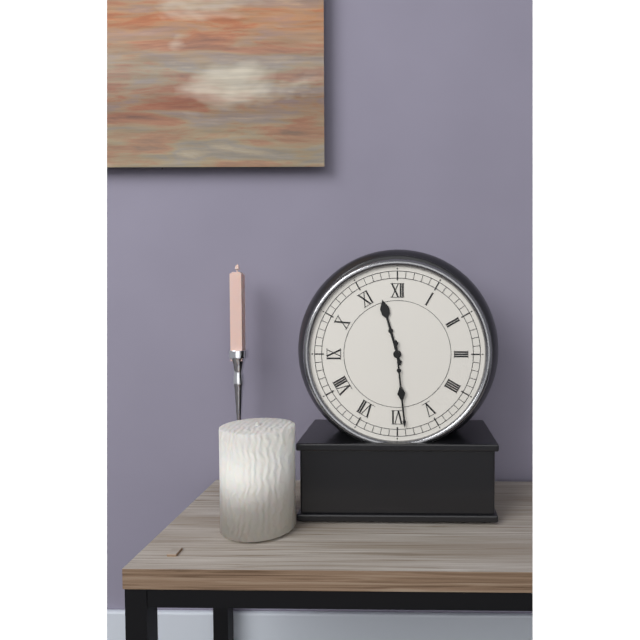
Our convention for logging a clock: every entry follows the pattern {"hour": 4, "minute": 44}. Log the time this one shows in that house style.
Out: {"hour": 11, "minute": 29}
